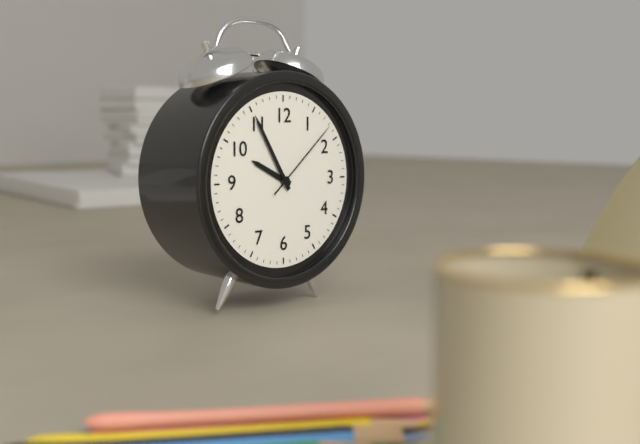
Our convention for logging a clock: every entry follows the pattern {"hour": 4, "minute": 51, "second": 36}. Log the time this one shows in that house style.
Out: {"hour": 9, "minute": 55, "second": 8}
